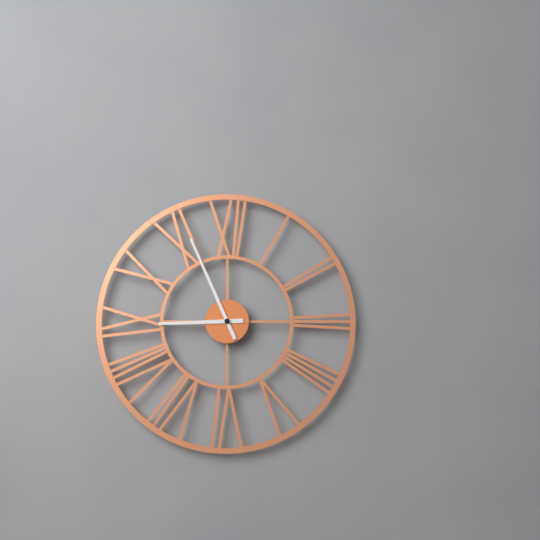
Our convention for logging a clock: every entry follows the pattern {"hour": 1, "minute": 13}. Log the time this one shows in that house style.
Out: {"hour": 8, "minute": 56}
